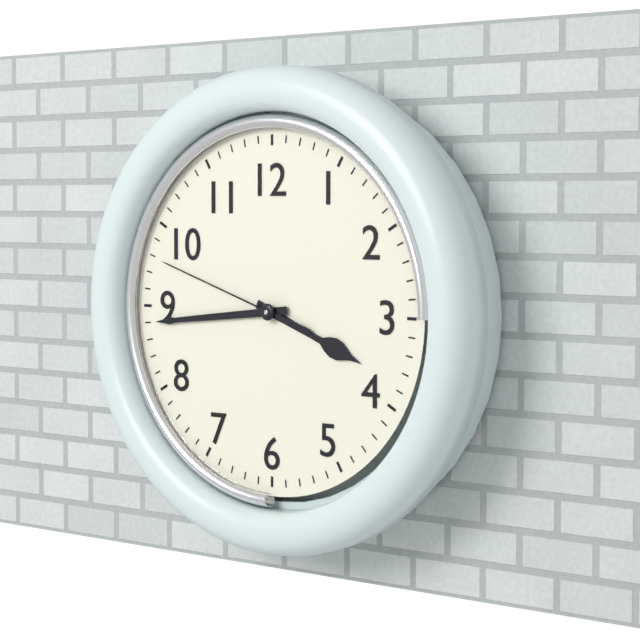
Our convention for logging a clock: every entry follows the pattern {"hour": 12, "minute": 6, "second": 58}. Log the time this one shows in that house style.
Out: {"hour": 3, "minute": 44, "second": 48}
